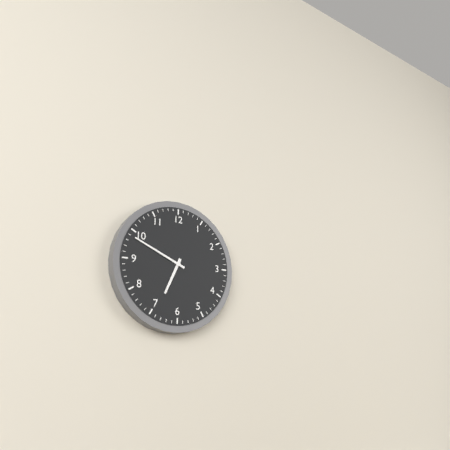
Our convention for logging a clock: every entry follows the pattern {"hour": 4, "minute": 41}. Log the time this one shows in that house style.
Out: {"hour": 6, "minute": 49}
